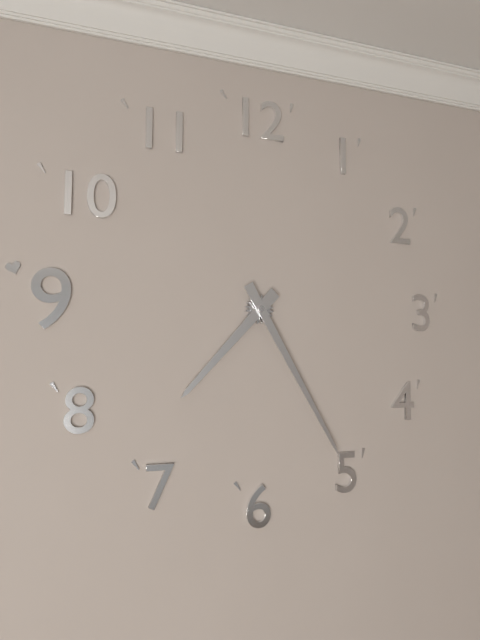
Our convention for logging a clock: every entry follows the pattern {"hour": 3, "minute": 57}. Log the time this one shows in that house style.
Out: {"hour": 7, "minute": 25}
